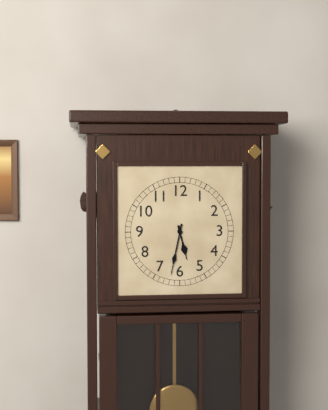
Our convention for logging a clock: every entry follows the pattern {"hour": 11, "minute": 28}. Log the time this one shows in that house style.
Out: {"hour": 5, "minute": 32}
